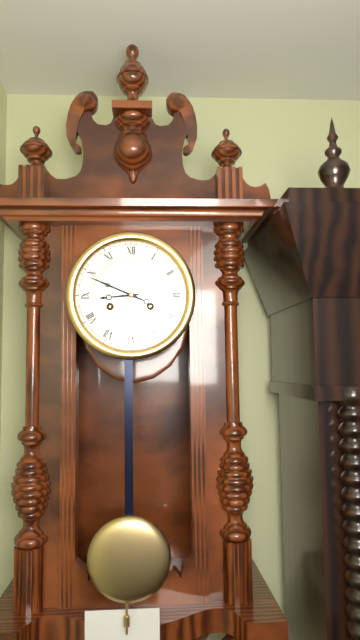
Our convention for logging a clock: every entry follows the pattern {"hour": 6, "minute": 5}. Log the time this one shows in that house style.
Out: {"hour": 8, "minute": 49}
